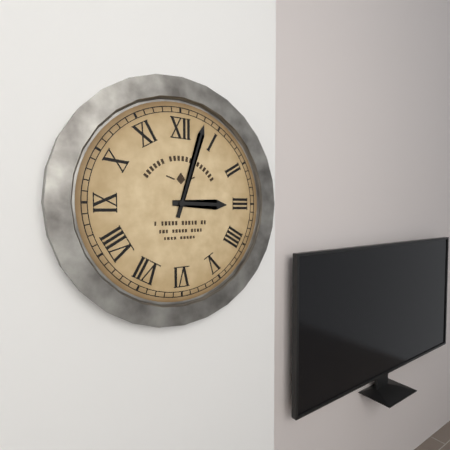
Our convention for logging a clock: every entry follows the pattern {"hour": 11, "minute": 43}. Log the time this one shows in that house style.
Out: {"hour": 3, "minute": 3}
